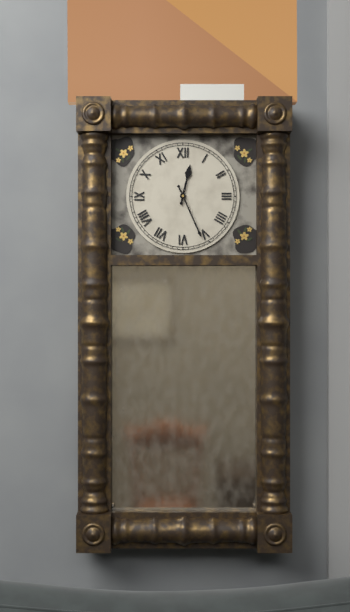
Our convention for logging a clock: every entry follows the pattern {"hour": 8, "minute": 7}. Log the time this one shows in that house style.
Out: {"hour": 12, "minute": 26}
